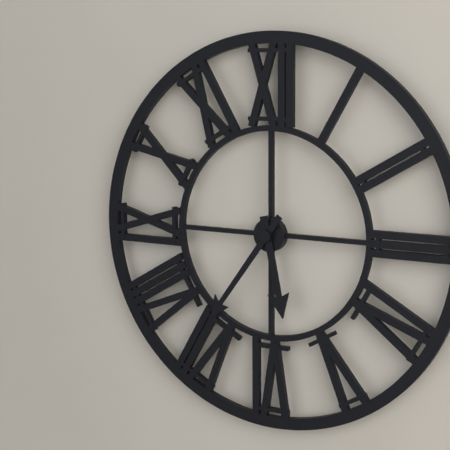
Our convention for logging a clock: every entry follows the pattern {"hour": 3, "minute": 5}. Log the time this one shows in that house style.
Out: {"hour": 5, "minute": 36}
